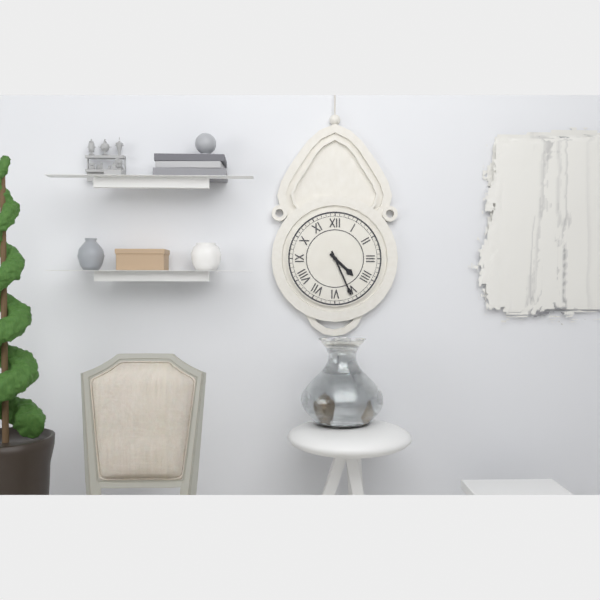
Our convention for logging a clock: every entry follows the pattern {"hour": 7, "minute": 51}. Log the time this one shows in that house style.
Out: {"hour": 4, "minute": 26}
